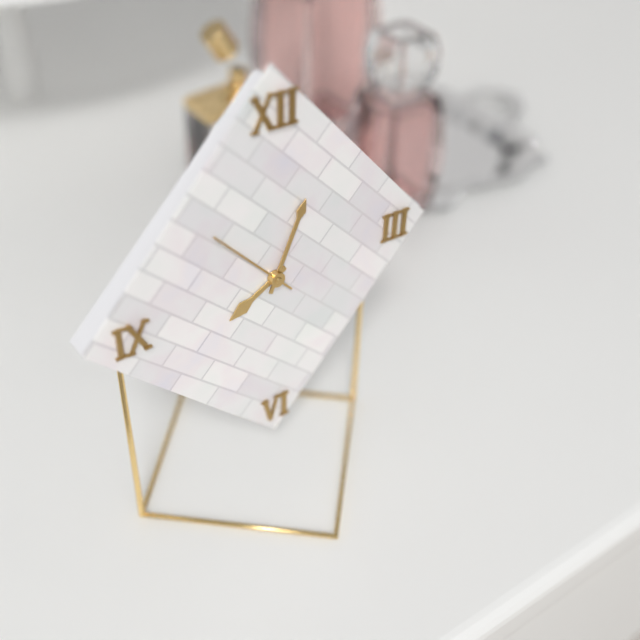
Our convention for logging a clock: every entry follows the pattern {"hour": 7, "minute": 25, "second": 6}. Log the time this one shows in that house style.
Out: {"hour": 8, "minute": 4, "second": 53}
